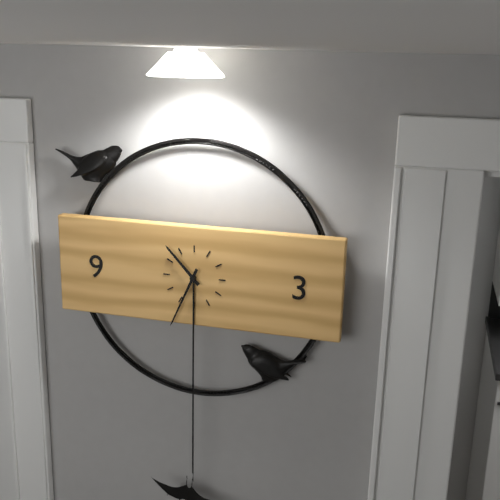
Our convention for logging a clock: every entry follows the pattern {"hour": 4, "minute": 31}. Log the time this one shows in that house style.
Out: {"hour": 10, "minute": 34}
